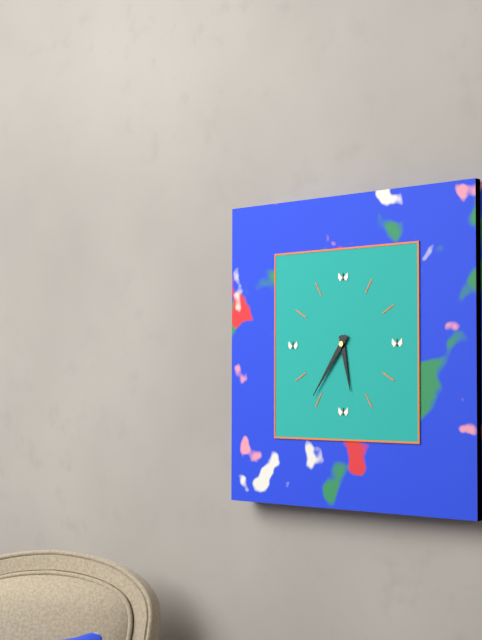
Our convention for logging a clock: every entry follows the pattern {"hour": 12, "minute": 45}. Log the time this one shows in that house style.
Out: {"hour": 5, "minute": 36}
